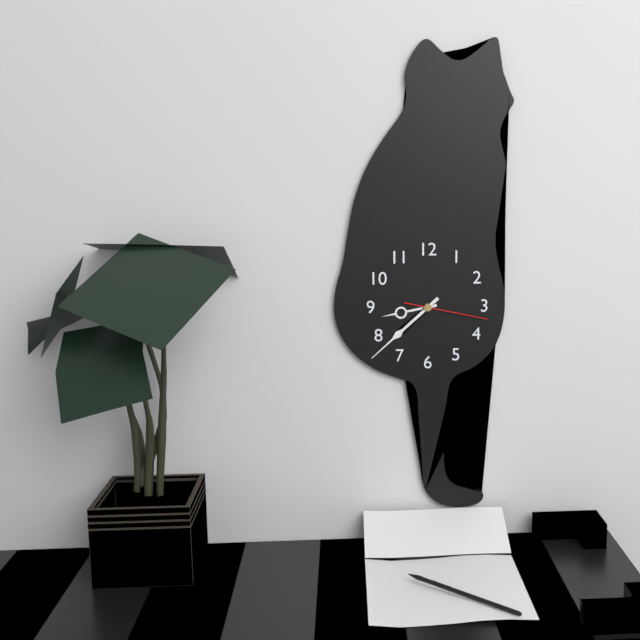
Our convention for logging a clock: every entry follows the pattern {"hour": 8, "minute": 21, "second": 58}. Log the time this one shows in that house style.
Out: {"hour": 8, "minute": 38, "second": 17}
